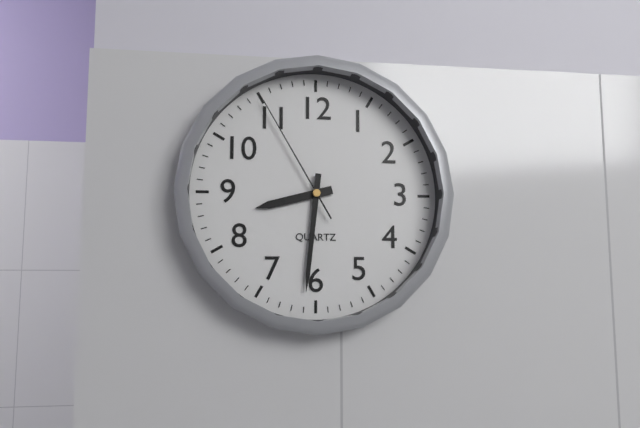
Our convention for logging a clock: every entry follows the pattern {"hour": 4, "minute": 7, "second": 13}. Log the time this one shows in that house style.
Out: {"hour": 8, "minute": 31, "second": 55}
